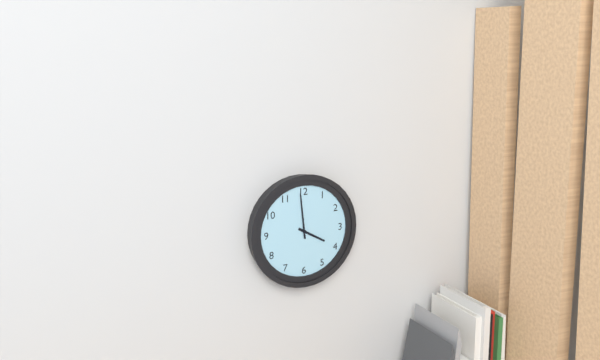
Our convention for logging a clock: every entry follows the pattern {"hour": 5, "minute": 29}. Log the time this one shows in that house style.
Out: {"hour": 3, "minute": 59}
